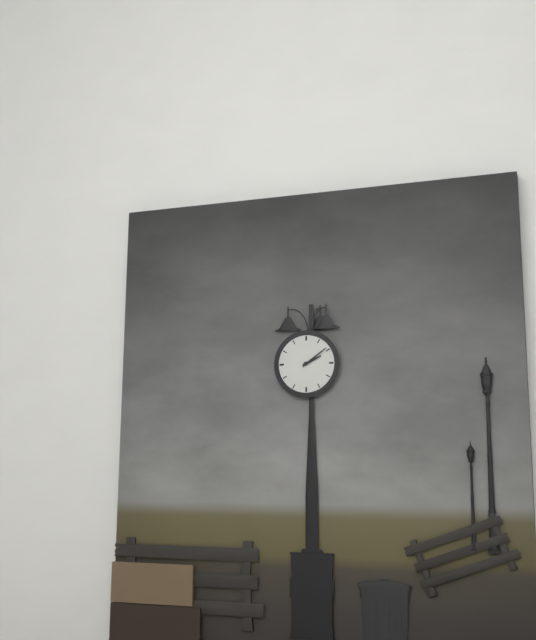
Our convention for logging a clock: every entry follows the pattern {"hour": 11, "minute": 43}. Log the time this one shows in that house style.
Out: {"hour": 2, "minute": 9}
